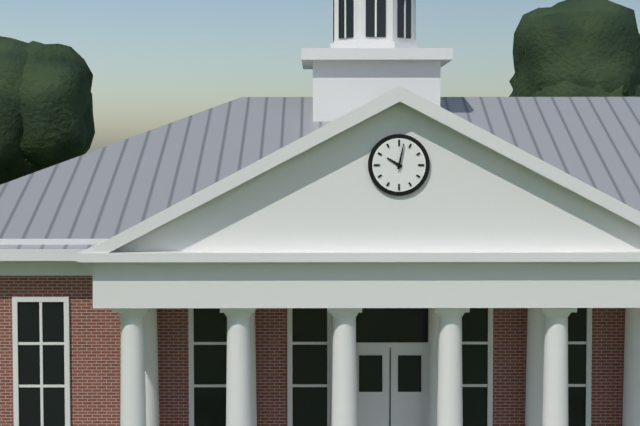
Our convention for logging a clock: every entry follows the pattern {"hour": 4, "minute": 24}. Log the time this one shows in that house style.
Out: {"hour": 10, "minute": 2}
